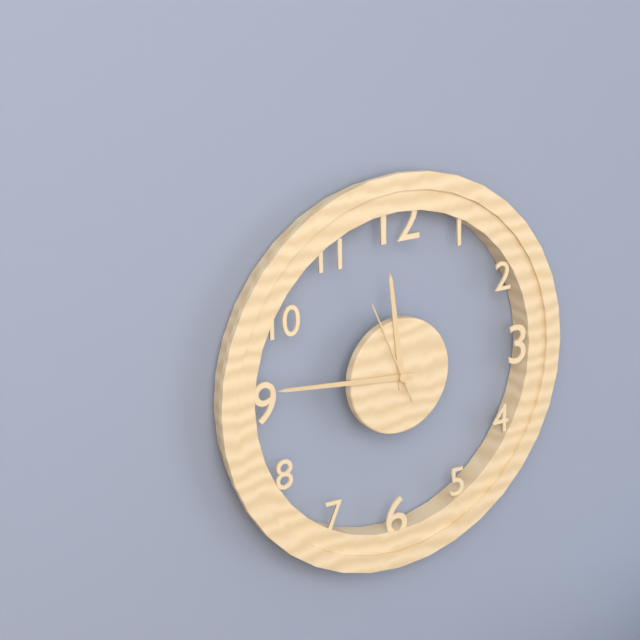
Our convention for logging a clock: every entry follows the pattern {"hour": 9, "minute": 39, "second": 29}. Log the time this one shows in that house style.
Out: {"hour": 11, "minute": 46, "second": 56}
